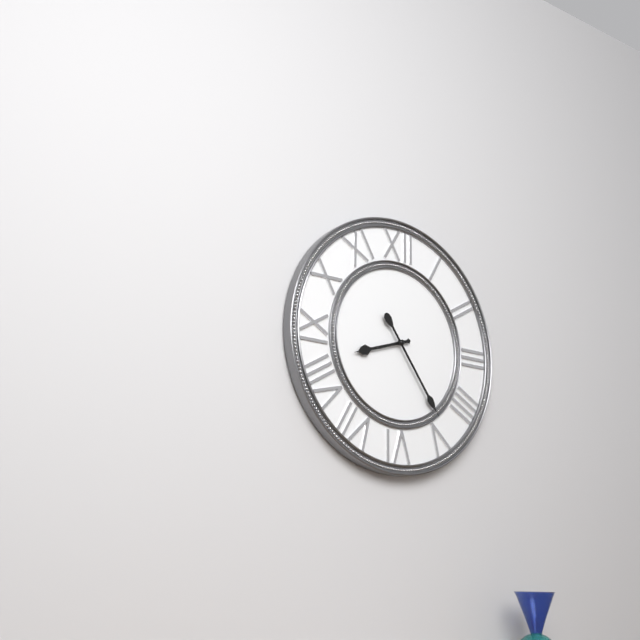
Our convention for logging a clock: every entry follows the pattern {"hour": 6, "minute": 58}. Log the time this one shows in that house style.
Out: {"hour": 8, "minute": 24}
